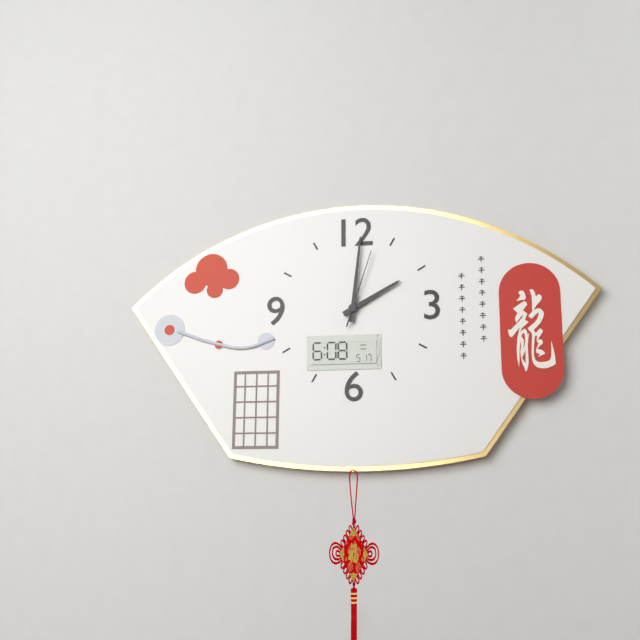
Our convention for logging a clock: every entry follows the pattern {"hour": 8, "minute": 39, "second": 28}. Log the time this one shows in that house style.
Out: {"hour": 2, "minute": 1, "second": 3}
